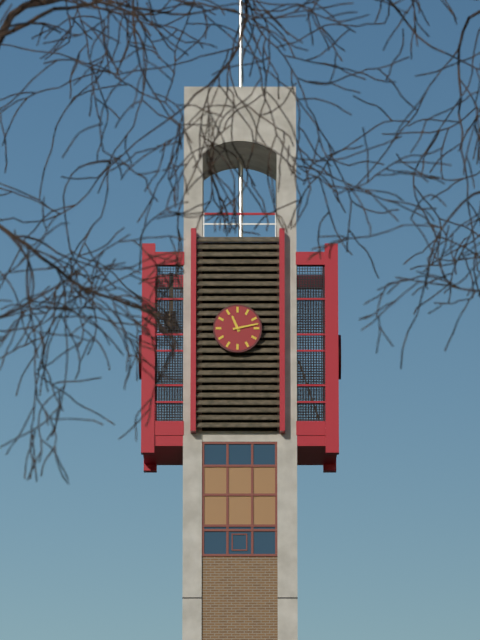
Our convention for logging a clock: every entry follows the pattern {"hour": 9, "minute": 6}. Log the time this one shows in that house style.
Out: {"hour": 11, "minute": 13}
